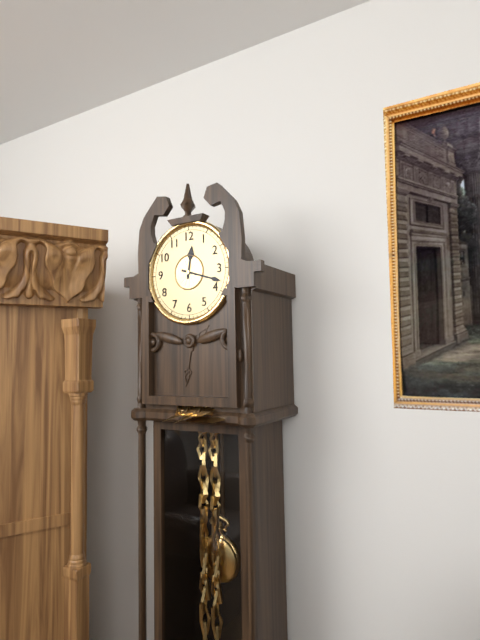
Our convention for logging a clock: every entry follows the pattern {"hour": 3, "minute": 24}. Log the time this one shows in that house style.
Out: {"hour": 12, "minute": 18}
